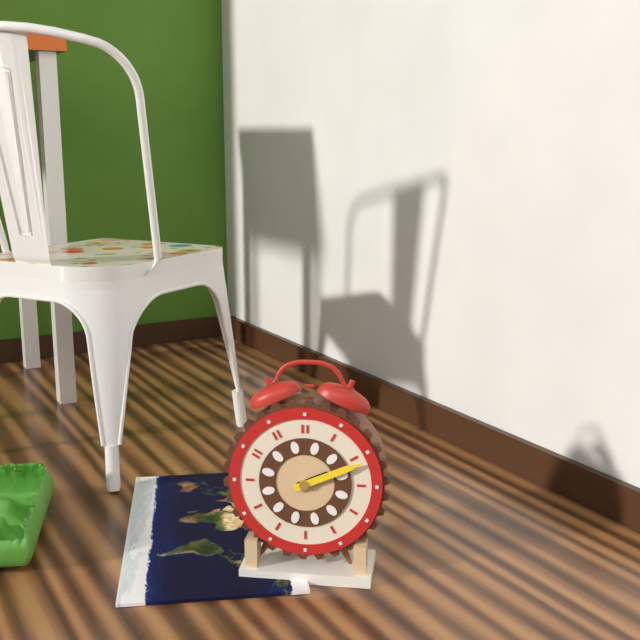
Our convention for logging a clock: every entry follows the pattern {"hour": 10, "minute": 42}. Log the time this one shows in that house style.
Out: {"hour": 2, "minute": 11}
